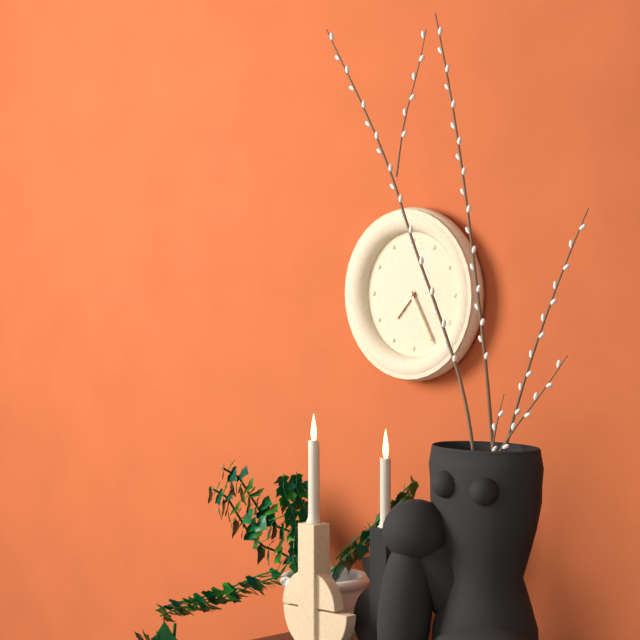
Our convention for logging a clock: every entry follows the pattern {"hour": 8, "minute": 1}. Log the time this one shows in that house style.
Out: {"hour": 7, "minute": 25}
